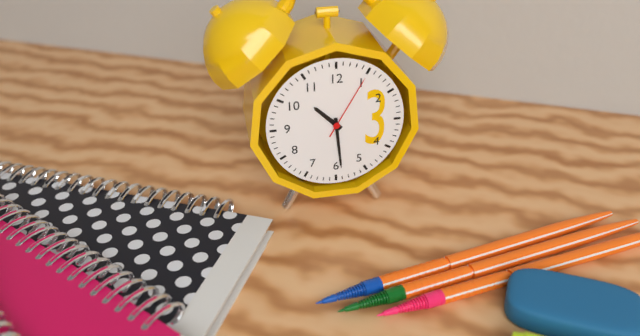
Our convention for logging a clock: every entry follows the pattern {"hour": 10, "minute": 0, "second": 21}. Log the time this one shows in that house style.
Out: {"hour": 10, "minute": 29, "second": 5}
